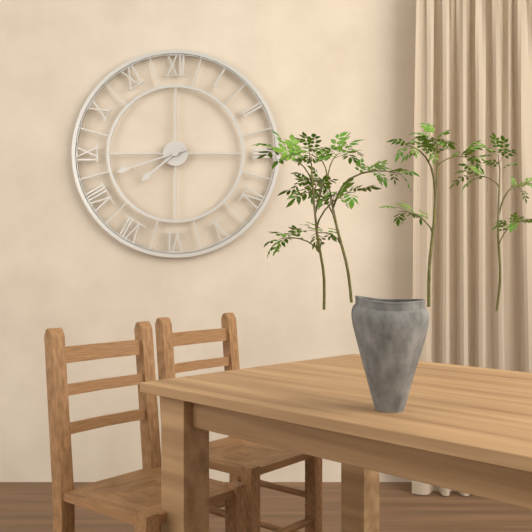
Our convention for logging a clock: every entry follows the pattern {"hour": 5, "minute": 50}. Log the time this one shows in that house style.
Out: {"hour": 7, "minute": 42}
